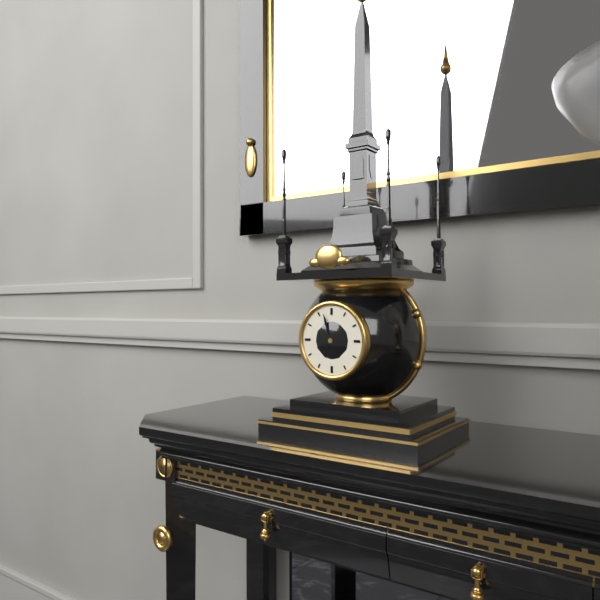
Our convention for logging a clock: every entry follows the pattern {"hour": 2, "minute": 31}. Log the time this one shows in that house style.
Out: {"hour": 6, "minute": 57}
